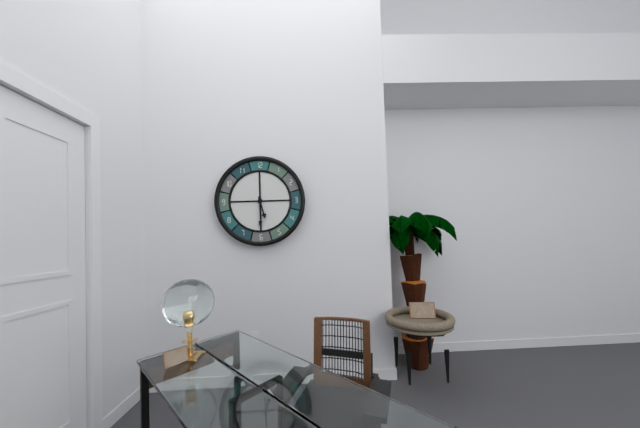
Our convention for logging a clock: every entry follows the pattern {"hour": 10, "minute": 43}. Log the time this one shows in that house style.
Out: {"hour": 5, "minute": 30}
